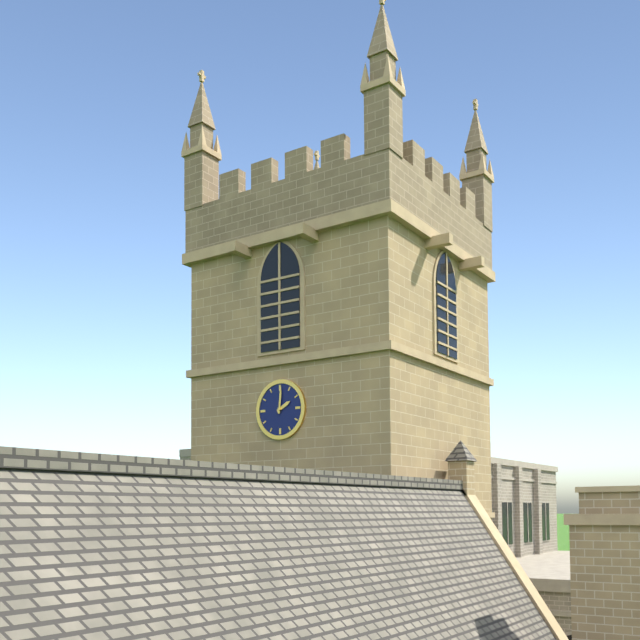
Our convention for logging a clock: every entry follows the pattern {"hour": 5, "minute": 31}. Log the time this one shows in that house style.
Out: {"hour": 2, "minute": 1}
